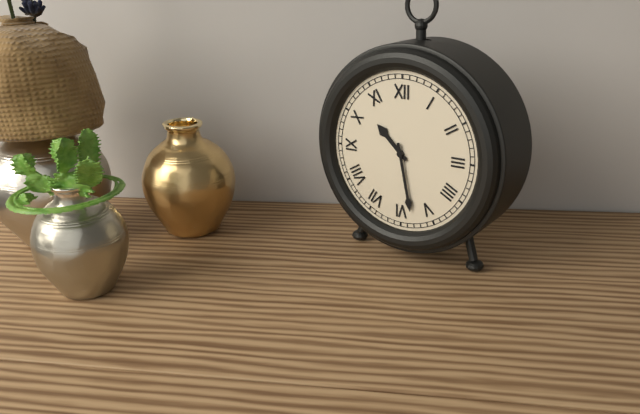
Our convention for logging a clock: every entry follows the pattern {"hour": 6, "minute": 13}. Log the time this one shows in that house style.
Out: {"hour": 10, "minute": 28}
